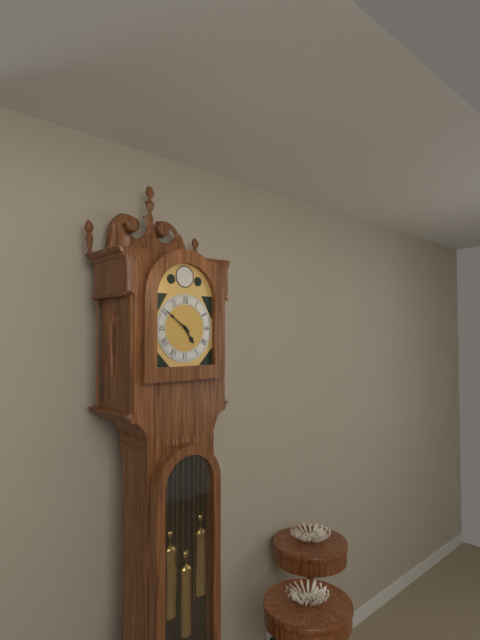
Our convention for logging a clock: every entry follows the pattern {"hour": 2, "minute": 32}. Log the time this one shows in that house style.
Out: {"hour": 4, "minute": 51}
